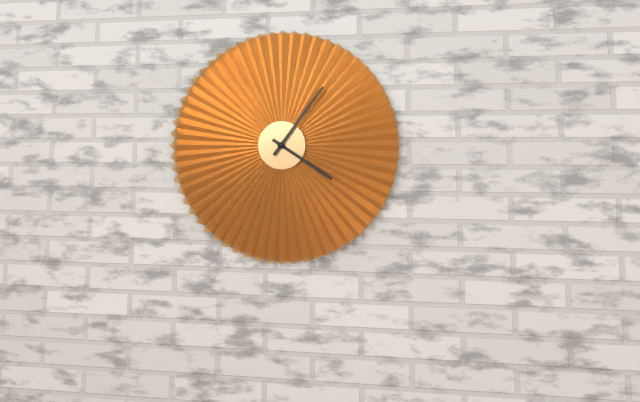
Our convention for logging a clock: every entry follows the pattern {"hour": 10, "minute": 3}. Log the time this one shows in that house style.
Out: {"hour": 4, "minute": 6}
